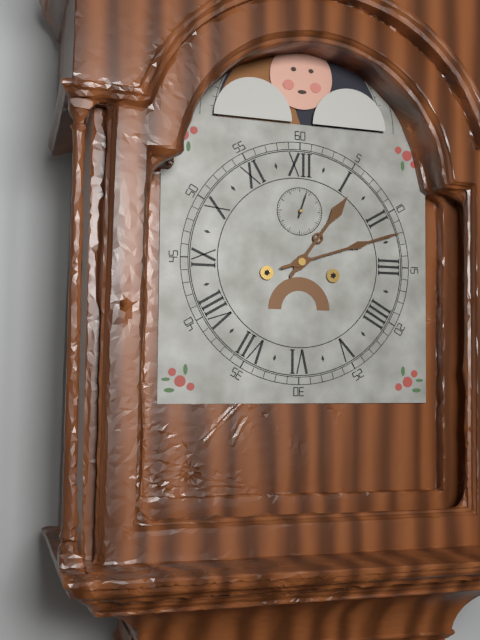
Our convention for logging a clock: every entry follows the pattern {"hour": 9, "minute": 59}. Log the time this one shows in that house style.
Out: {"hour": 1, "minute": 12}
